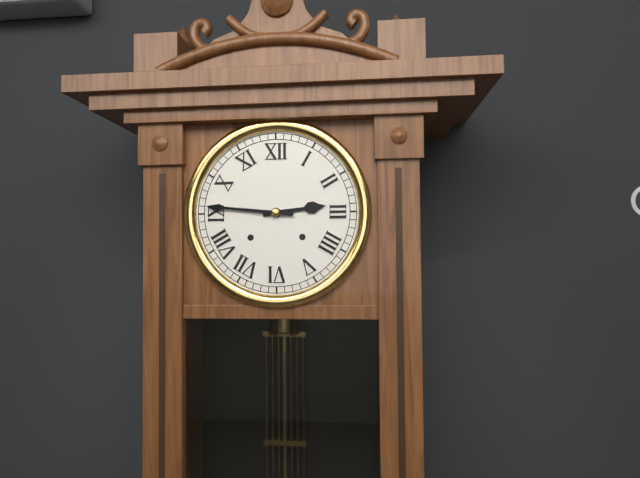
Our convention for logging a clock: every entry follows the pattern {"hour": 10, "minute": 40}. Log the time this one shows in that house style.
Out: {"hour": 2, "minute": 46}
